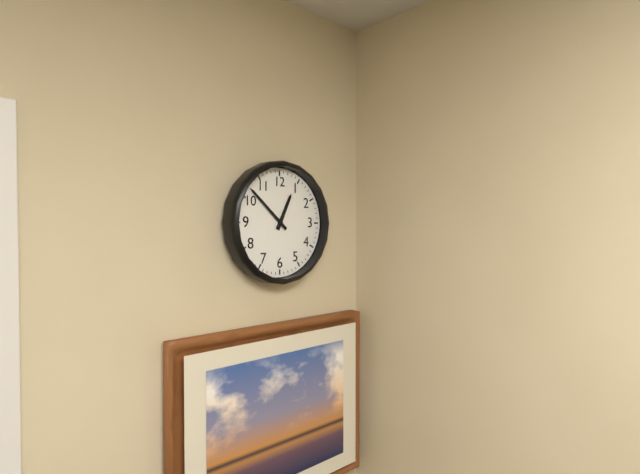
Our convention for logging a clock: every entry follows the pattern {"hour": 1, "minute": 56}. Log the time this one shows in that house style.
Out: {"hour": 12, "minute": 52}
